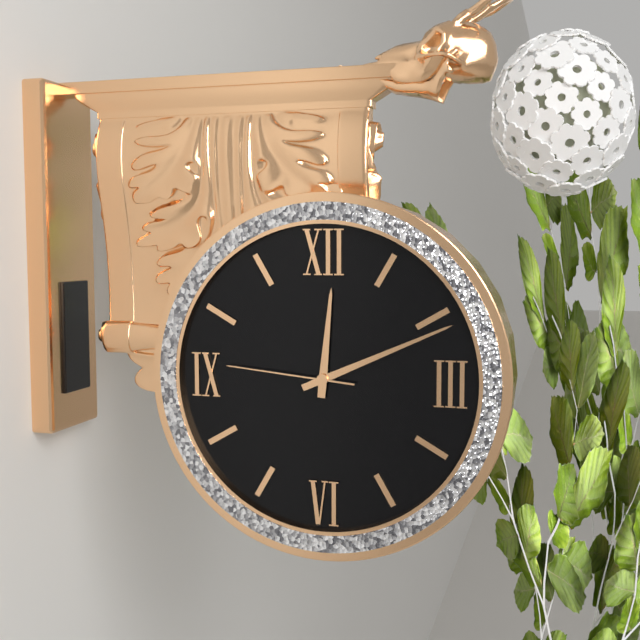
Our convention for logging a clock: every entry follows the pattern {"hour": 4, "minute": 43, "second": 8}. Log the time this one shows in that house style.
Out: {"hour": 12, "minute": 11, "second": 46}
